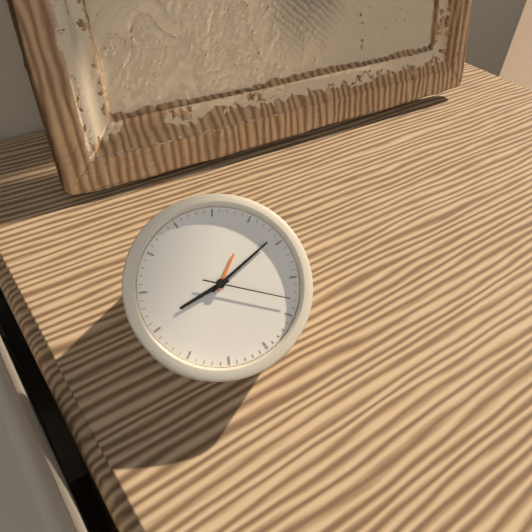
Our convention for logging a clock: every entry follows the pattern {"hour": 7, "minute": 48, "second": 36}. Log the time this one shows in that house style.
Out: {"hour": 8, "minute": 9, "second": 18}
